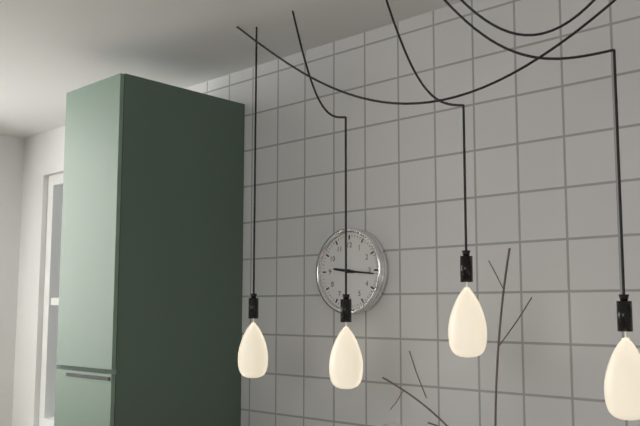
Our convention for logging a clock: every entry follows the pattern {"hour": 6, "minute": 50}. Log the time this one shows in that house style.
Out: {"hour": 9, "minute": 16}
